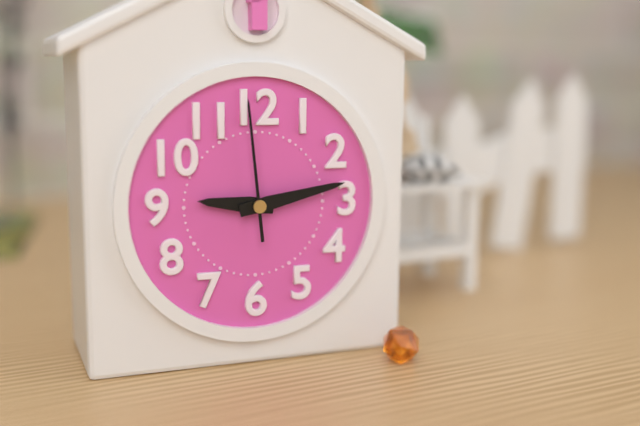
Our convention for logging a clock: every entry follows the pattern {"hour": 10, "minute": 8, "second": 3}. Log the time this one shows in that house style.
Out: {"hour": 9, "minute": 13, "second": 59}
